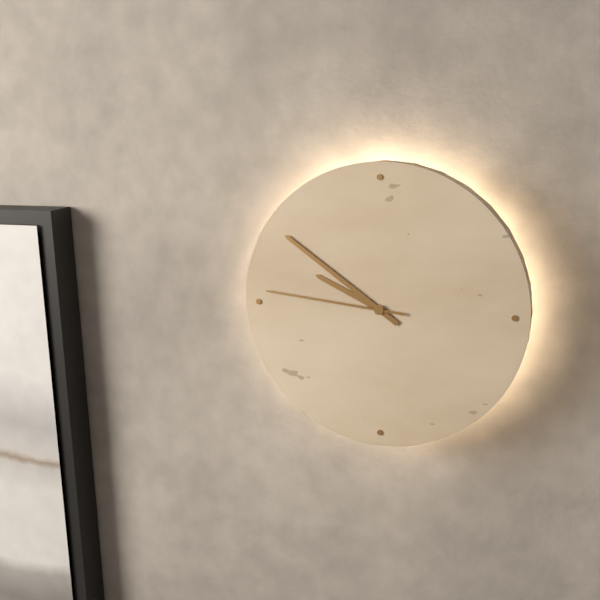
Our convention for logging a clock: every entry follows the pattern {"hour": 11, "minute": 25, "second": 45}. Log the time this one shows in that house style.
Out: {"hour": 9, "minute": 51, "second": 46}
